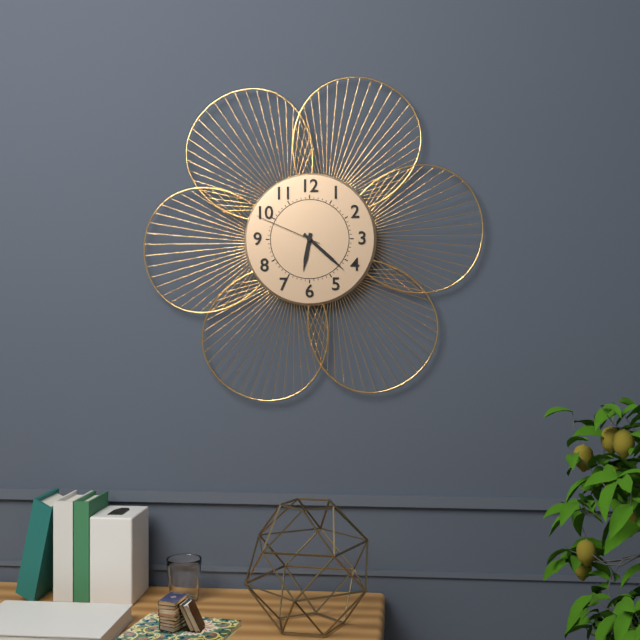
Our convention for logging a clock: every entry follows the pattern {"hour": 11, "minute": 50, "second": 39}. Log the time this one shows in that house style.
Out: {"hour": 6, "minute": 22, "second": 49}
